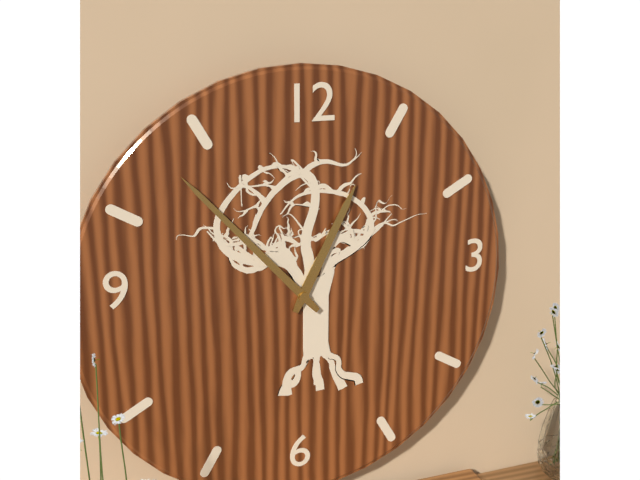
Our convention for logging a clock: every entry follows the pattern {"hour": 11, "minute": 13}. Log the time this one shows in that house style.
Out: {"hour": 12, "minute": 53}
